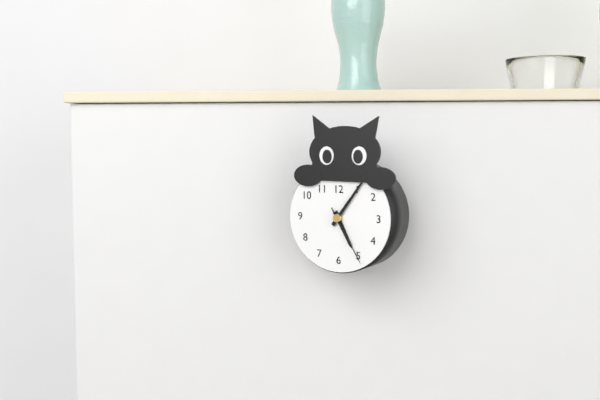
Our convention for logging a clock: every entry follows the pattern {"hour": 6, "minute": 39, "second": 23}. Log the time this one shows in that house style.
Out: {"hour": 5, "minute": 6, "second": 25}
